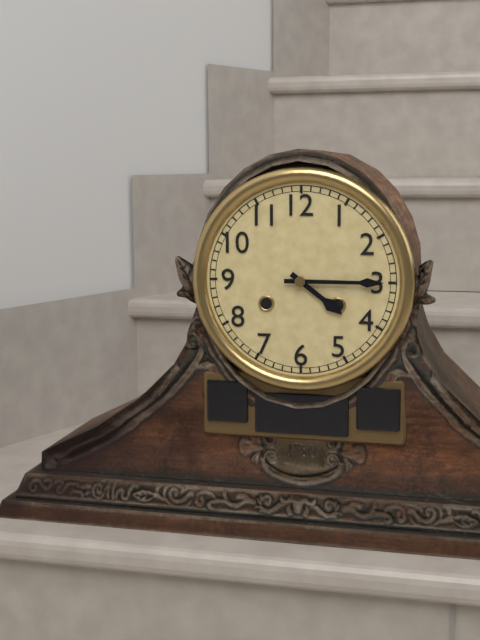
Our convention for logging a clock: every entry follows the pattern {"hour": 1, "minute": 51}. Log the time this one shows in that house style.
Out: {"hour": 4, "minute": 15}
